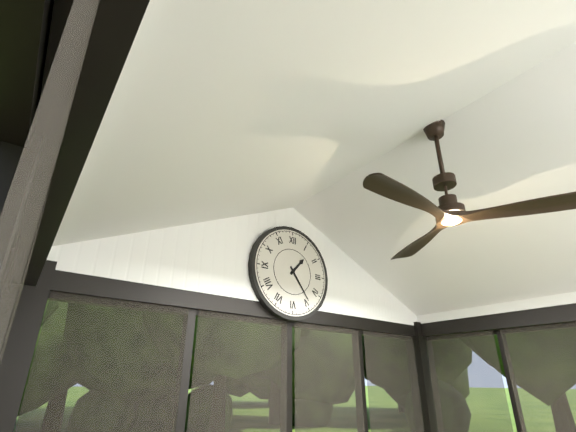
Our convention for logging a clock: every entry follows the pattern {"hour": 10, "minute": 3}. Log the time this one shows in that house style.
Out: {"hour": 1, "minute": 24}
